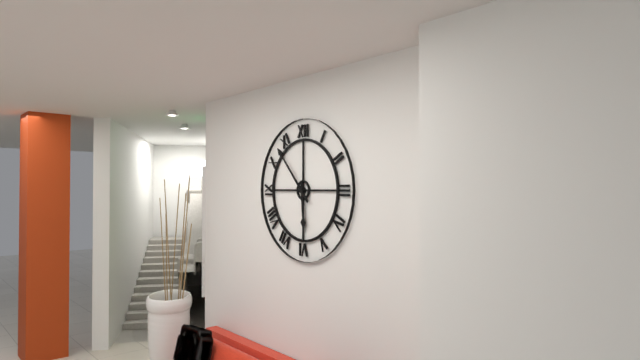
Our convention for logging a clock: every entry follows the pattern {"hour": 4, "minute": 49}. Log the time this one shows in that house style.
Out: {"hour": 5, "minute": 53}
